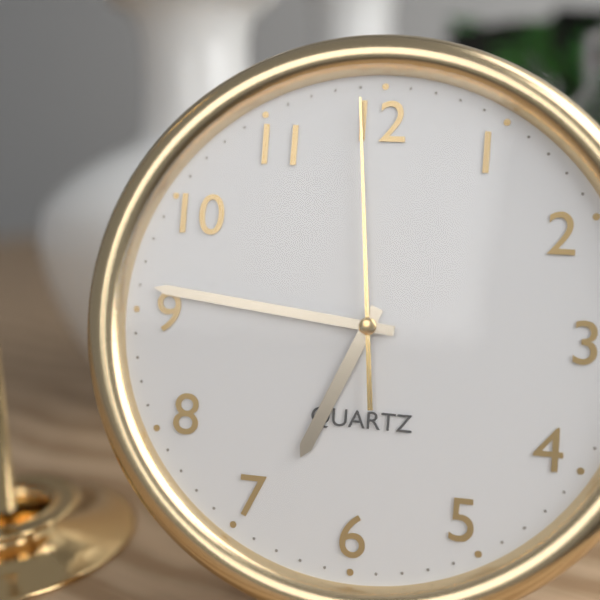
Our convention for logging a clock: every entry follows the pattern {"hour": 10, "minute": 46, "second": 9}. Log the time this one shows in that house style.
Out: {"hour": 6, "minute": 46, "second": 59}
